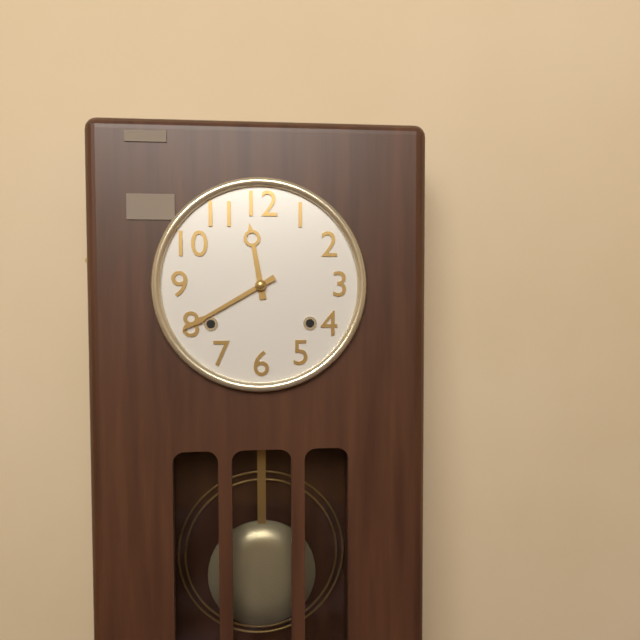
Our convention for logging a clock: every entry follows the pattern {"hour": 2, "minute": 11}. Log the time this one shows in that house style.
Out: {"hour": 11, "minute": 40}
